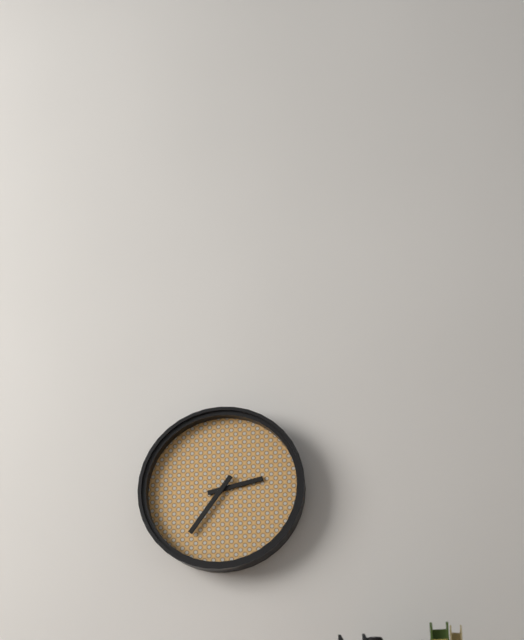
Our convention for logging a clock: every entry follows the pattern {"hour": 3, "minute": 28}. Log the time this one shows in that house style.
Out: {"hour": 2, "minute": 36}
